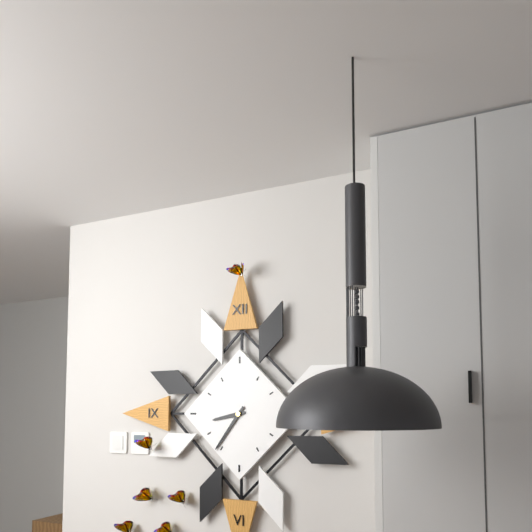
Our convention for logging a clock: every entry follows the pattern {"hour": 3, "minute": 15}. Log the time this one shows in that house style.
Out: {"hour": 8, "minute": 36}
